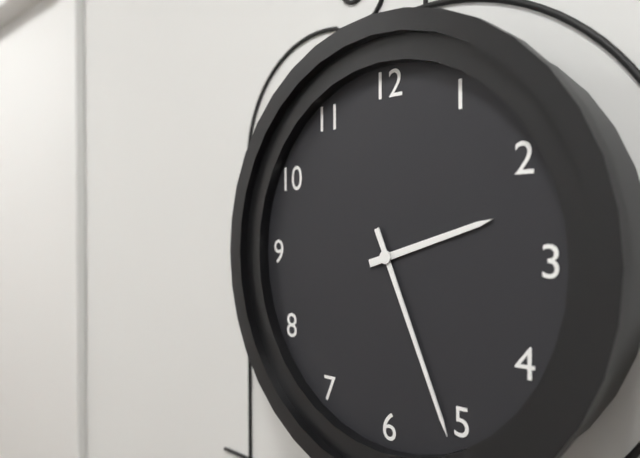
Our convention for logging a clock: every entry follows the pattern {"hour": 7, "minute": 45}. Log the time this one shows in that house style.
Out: {"hour": 2, "minute": 26}
